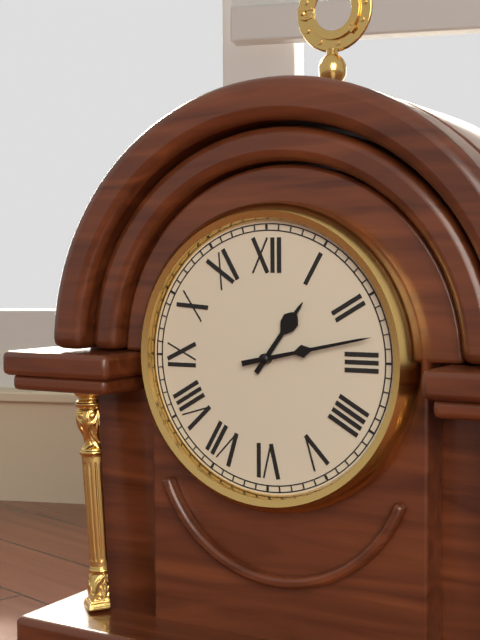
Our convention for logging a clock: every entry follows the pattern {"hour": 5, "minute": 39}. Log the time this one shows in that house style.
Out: {"hour": 1, "minute": 13}
